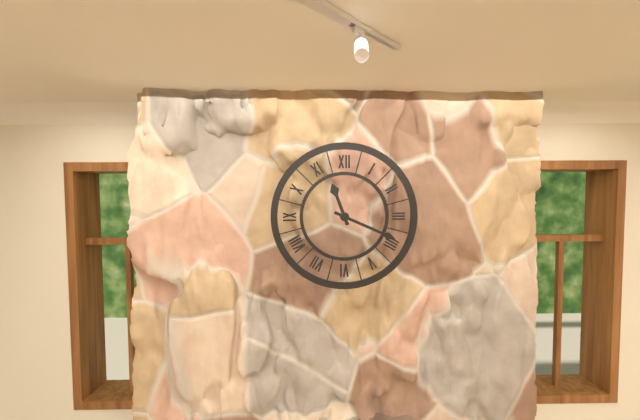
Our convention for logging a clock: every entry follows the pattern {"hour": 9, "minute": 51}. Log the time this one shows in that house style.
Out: {"hour": 11, "minute": 19}
